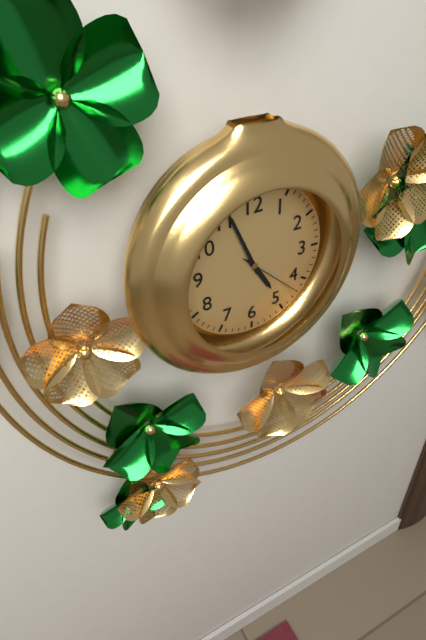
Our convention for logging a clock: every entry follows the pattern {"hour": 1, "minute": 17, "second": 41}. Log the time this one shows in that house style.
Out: {"hour": 4, "minute": 56, "second": 22}
